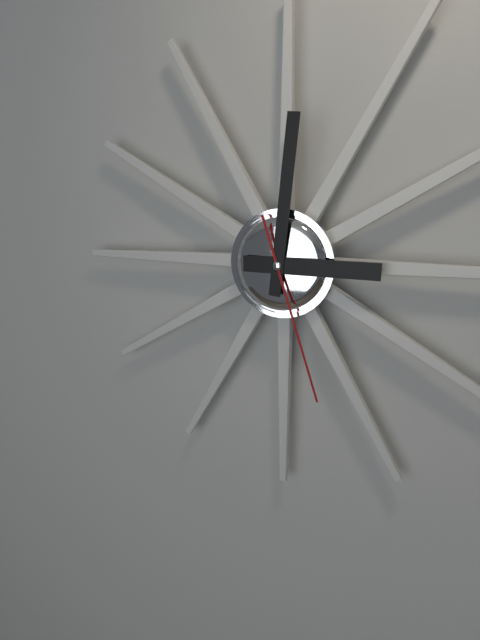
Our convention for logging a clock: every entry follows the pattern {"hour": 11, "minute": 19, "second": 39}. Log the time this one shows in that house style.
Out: {"hour": 3, "minute": 1, "second": 27}
